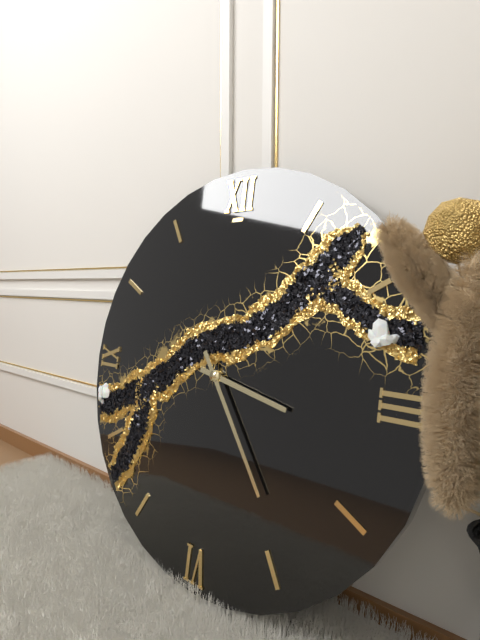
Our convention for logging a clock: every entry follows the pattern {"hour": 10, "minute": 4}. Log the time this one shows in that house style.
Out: {"hour": 3, "minute": 24}
